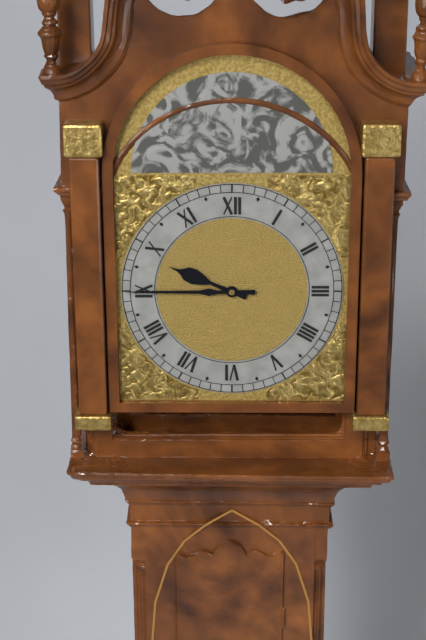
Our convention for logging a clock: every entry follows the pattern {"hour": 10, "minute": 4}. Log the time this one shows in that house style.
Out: {"hour": 9, "minute": 45}
